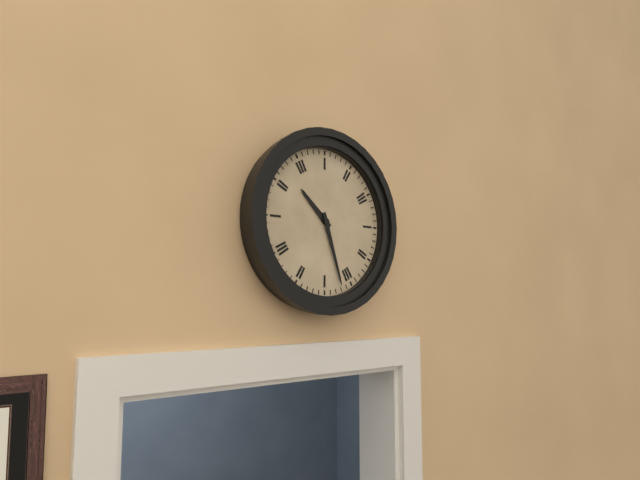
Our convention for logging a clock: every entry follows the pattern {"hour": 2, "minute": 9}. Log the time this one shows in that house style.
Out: {"hour": 10, "minute": 27}
